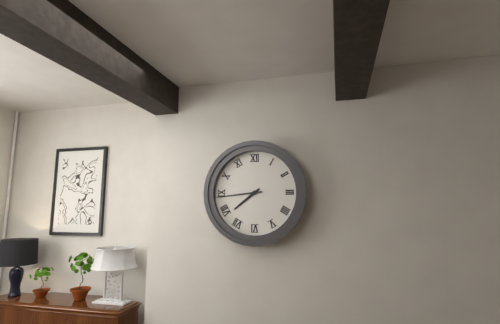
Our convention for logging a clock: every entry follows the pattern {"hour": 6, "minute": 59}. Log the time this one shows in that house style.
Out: {"hour": 7, "minute": 44}
